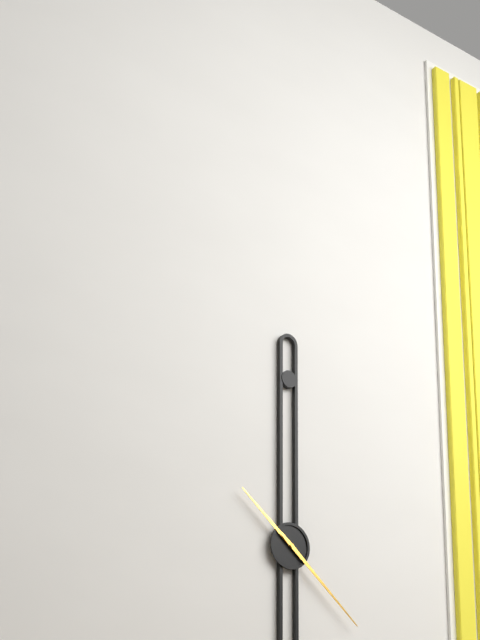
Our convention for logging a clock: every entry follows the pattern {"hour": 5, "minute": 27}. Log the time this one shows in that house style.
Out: {"hour": 10, "minute": 22}
